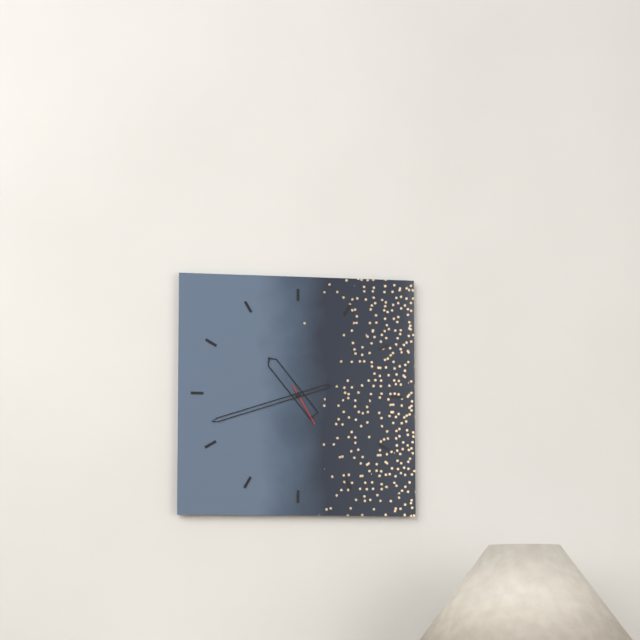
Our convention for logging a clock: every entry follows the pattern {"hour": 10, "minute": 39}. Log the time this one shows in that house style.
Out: {"hour": 10, "minute": 42}
